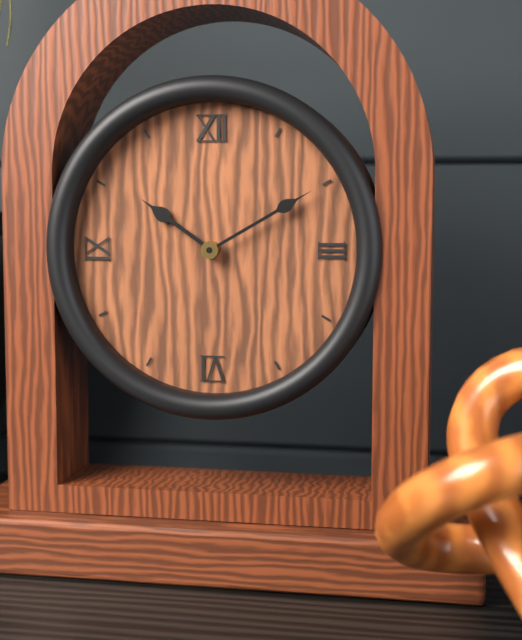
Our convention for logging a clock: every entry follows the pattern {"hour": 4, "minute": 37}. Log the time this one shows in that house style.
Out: {"hour": 10, "minute": 10}
